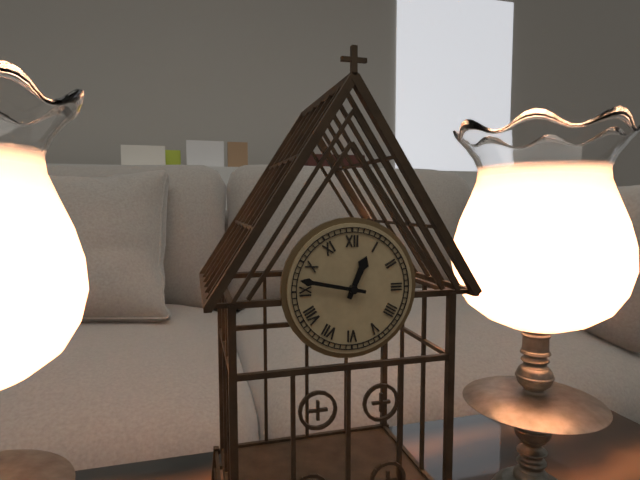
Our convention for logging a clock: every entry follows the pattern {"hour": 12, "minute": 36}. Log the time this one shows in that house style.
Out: {"hour": 12, "minute": 47}
